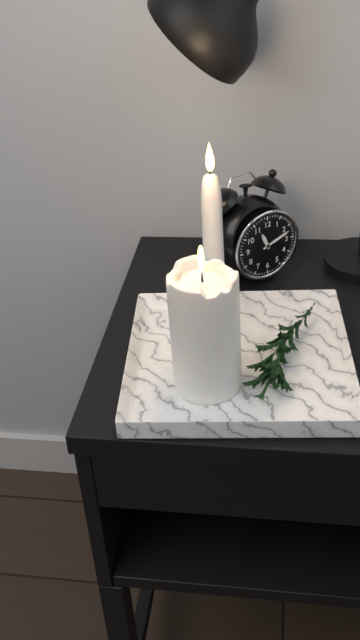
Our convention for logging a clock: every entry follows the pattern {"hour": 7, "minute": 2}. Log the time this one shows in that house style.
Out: {"hour": 11, "minute": 12}
